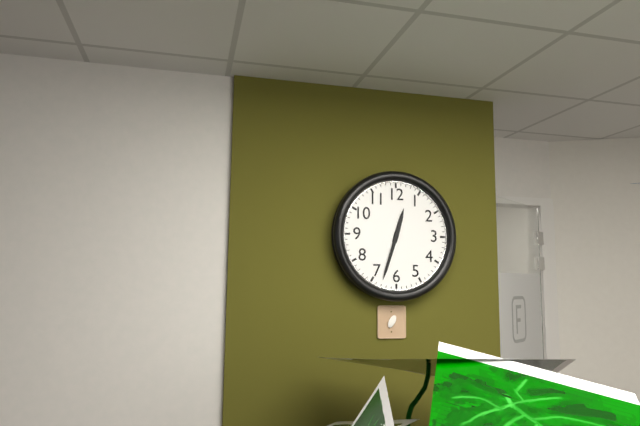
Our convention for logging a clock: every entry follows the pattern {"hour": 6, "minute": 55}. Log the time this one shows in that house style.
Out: {"hour": 12, "minute": 33}
